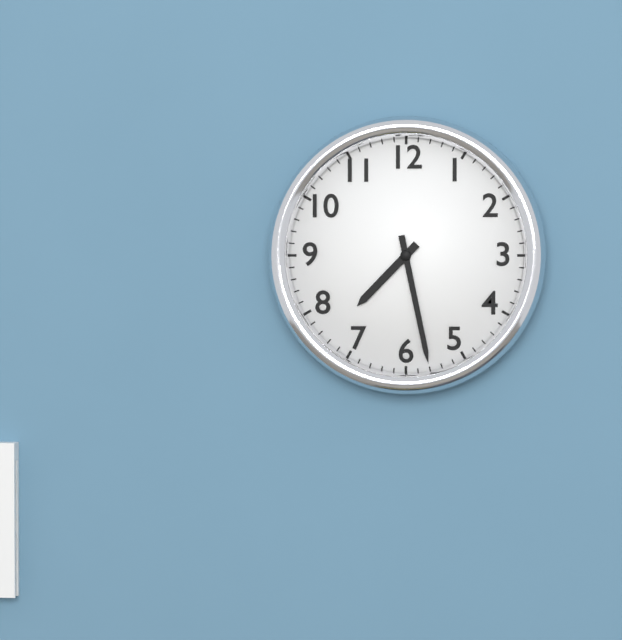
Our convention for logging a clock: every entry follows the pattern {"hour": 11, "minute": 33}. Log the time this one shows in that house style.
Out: {"hour": 7, "minute": 28}
